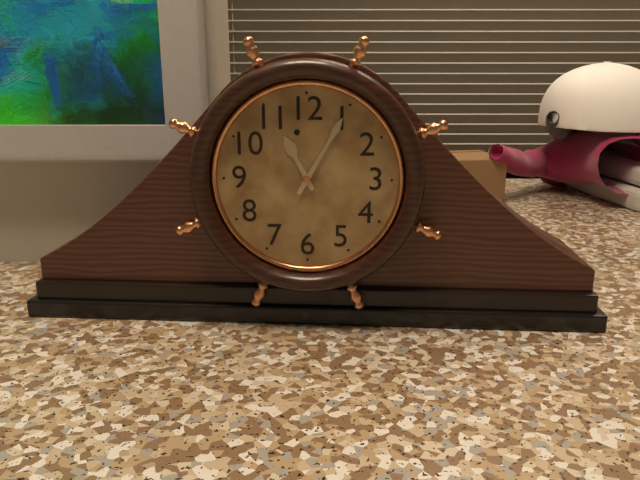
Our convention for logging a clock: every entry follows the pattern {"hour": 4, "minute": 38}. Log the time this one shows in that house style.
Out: {"hour": 11, "minute": 5}
